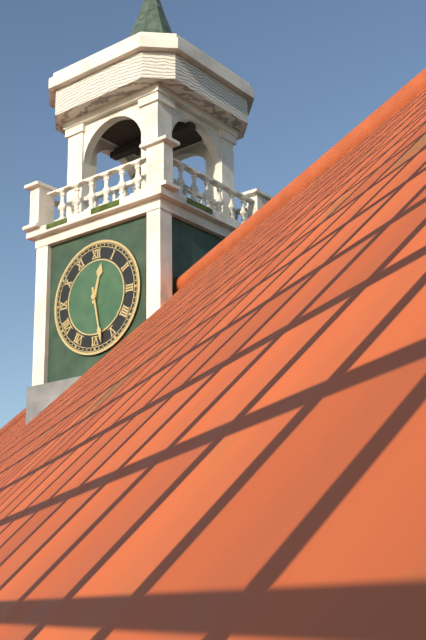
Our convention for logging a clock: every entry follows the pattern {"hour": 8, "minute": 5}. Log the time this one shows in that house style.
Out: {"hour": 12, "minute": 28}
